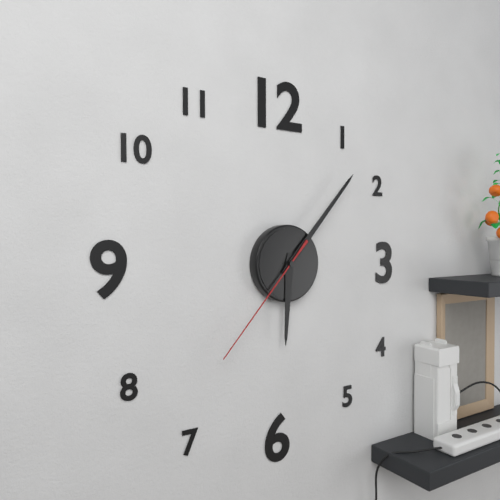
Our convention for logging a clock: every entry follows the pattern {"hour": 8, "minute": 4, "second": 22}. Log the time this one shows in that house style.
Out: {"hour": 6, "minute": 7, "second": 37}
